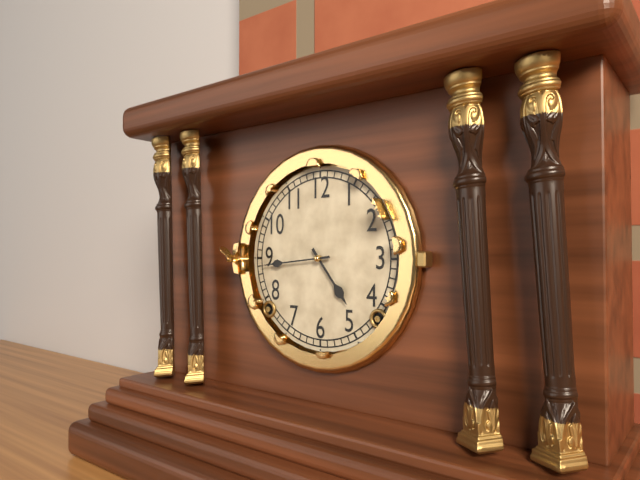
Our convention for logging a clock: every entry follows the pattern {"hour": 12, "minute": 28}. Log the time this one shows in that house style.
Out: {"hour": 4, "minute": 44}
